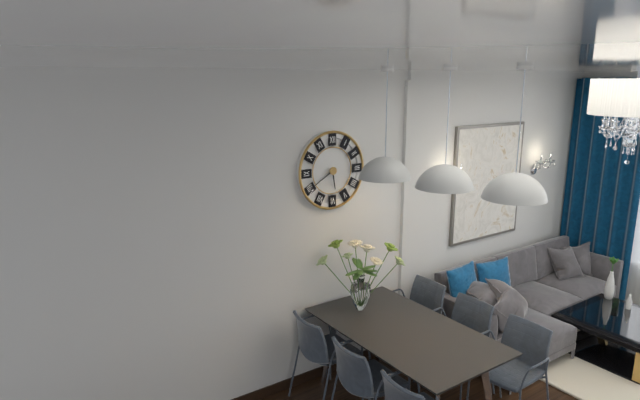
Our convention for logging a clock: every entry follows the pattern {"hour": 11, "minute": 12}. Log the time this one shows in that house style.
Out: {"hour": 5, "minute": 40}
